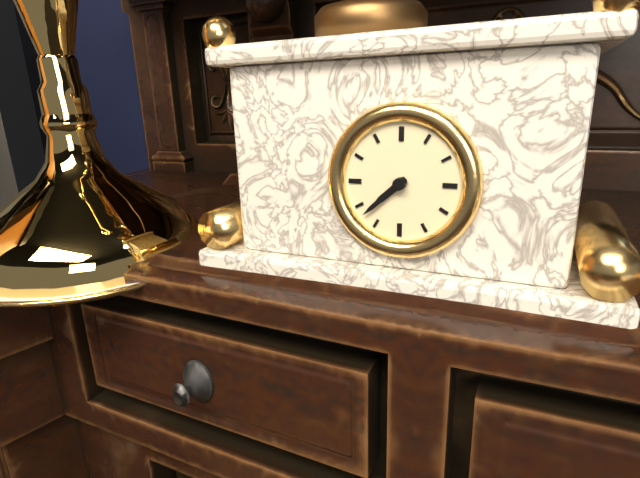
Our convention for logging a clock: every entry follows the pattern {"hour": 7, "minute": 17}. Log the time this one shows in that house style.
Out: {"hour": 7, "minute": 38}
